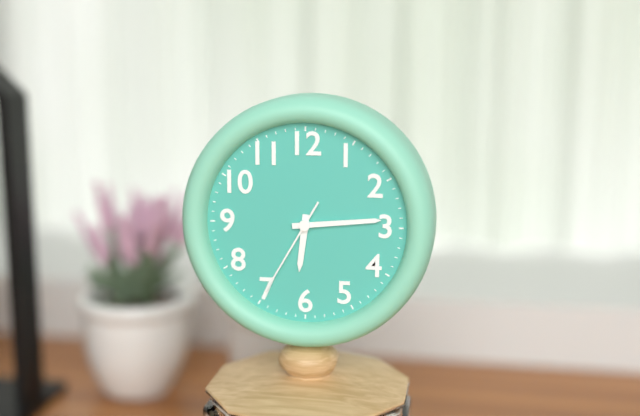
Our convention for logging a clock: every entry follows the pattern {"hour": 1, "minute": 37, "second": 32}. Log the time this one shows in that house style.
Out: {"hour": 6, "minute": 14, "second": 35}
